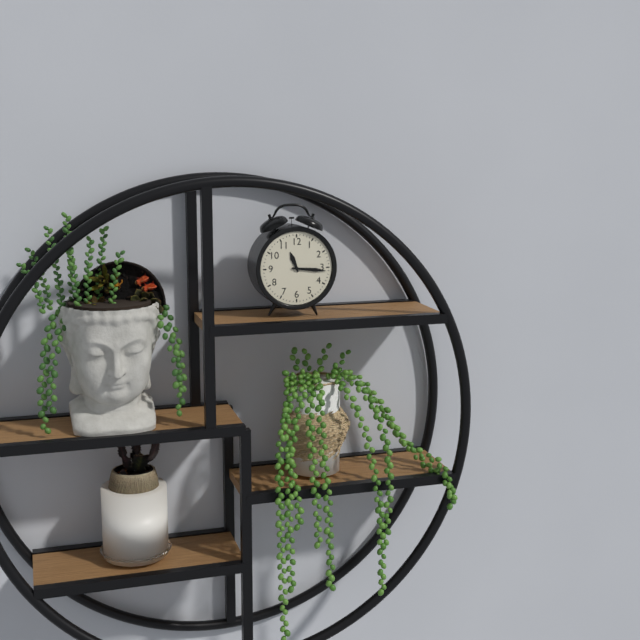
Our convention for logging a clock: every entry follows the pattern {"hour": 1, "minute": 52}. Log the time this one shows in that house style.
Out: {"hour": 11, "minute": 16}
